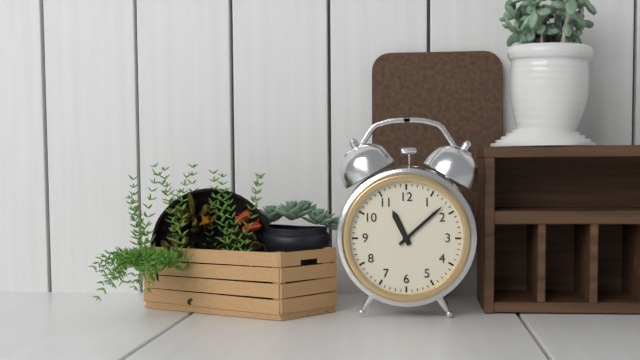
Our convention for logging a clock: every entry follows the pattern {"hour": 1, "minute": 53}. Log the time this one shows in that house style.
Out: {"hour": 11, "minute": 8}
